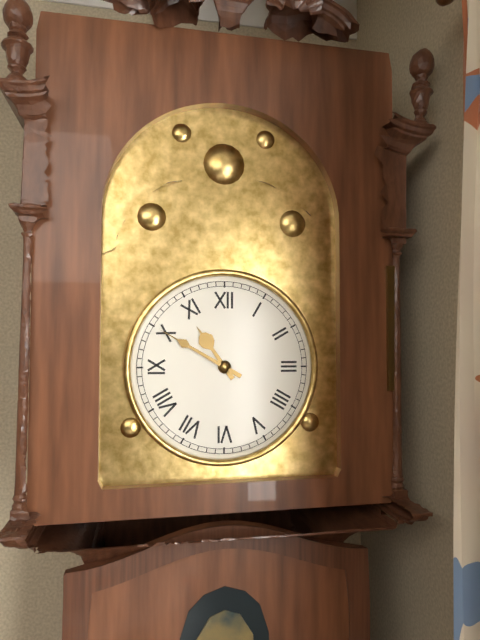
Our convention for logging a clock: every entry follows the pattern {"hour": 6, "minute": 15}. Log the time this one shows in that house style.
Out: {"hour": 10, "minute": 50}
